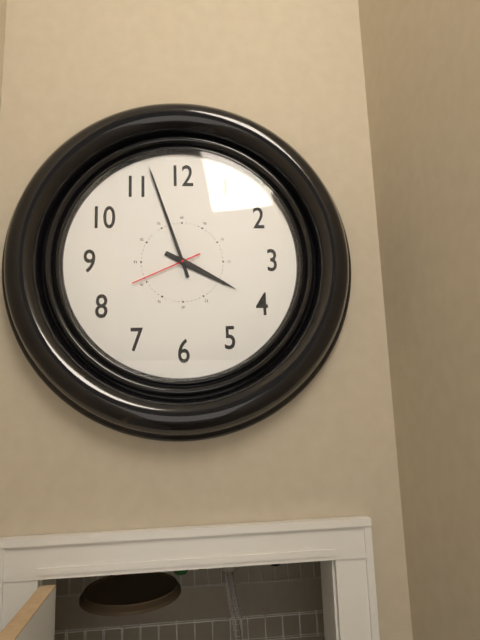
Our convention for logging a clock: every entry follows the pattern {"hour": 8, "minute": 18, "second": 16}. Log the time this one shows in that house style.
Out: {"hour": 3, "minute": 57, "second": 41}
